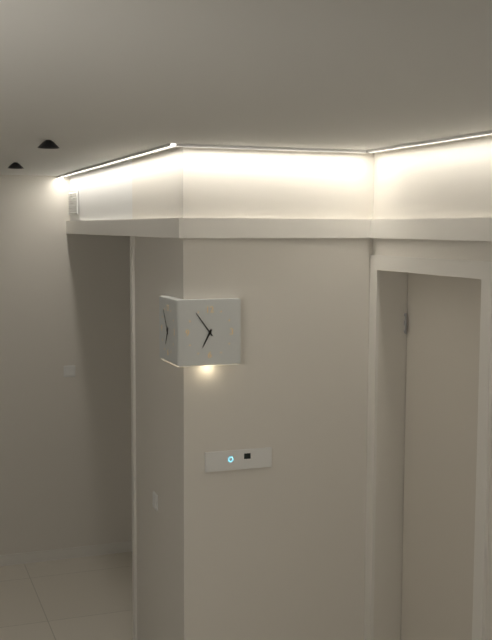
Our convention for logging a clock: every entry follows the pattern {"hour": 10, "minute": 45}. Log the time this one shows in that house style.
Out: {"hour": 6, "minute": 54}
